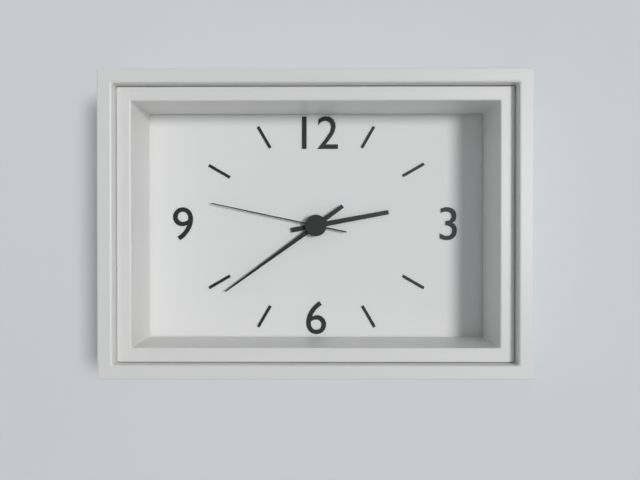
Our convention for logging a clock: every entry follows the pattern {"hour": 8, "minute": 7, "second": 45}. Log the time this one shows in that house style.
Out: {"hour": 2, "minute": 39, "second": 47}
